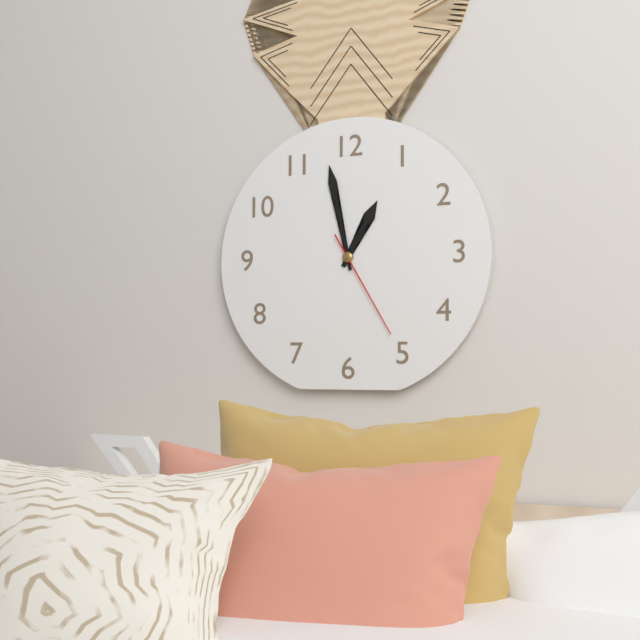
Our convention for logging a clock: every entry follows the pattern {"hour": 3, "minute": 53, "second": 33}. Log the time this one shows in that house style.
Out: {"hour": 12, "minute": 58, "second": 25}
